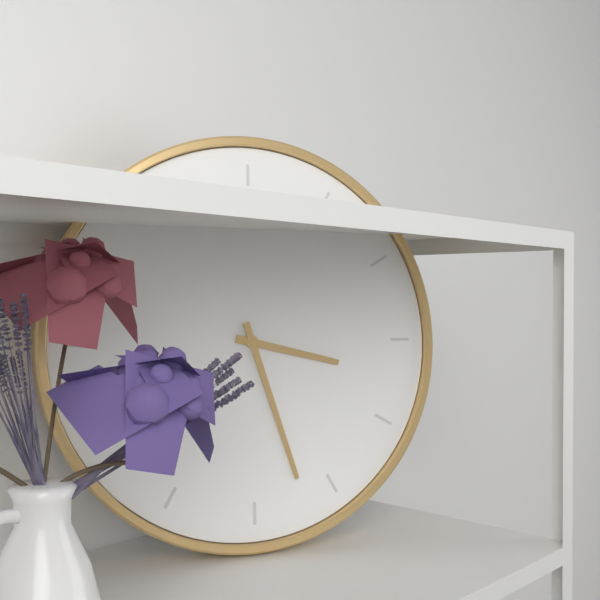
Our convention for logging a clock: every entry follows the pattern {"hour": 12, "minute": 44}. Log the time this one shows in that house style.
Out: {"hour": 3, "minute": 27}
